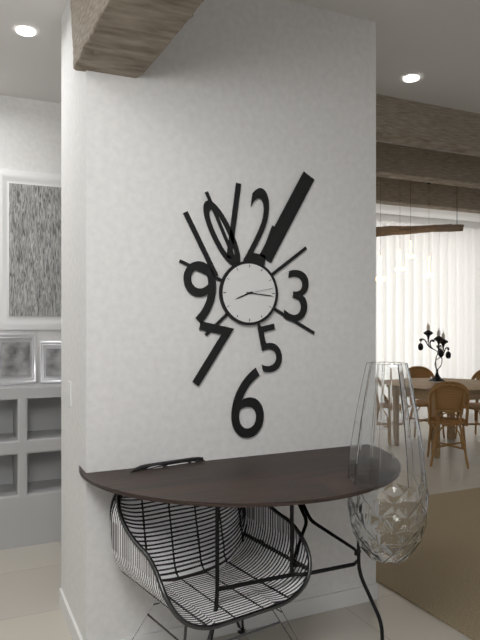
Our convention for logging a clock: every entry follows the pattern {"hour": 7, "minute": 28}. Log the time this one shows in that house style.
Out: {"hour": 8, "minute": 16}
